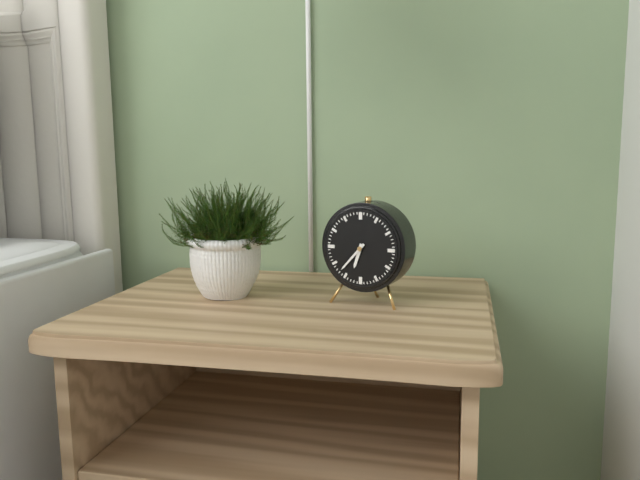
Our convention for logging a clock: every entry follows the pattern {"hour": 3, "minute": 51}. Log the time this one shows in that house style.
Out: {"hour": 6, "minute": 37}
